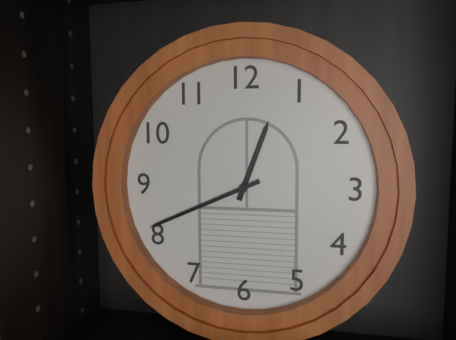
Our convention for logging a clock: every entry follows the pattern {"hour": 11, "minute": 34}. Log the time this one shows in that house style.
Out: {"hour": 12, "minute": 41}
